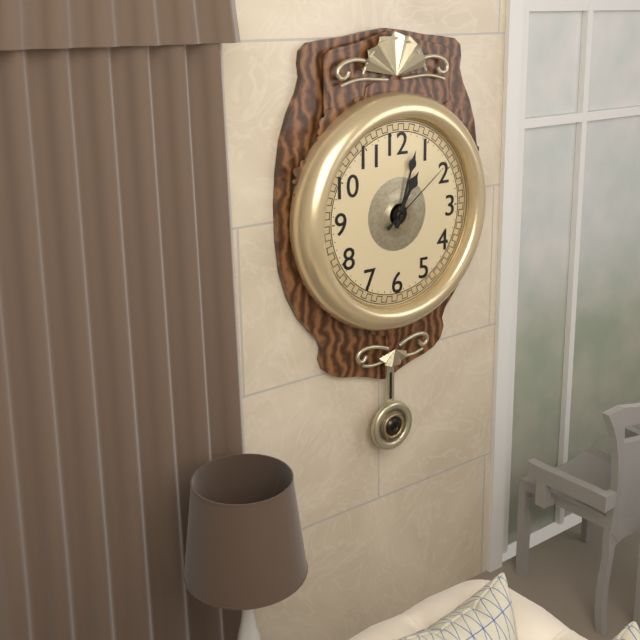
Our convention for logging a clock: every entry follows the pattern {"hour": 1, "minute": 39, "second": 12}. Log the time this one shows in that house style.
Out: {"hour": 1, "minute": 3, "second": 9}
